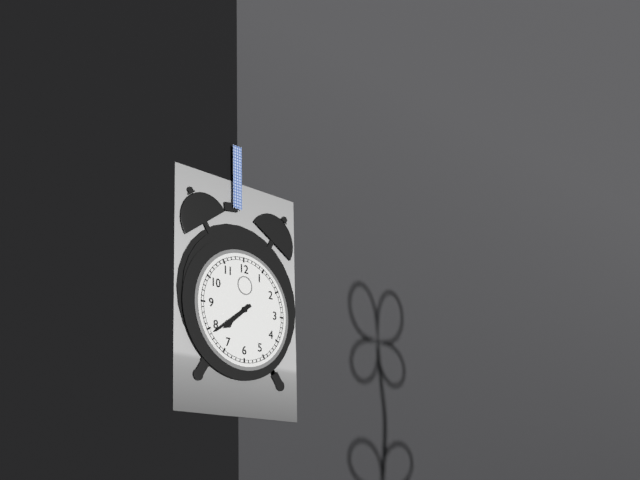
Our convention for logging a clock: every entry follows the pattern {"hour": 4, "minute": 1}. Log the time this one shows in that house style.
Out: {"hour": 7, "minute": 39}
